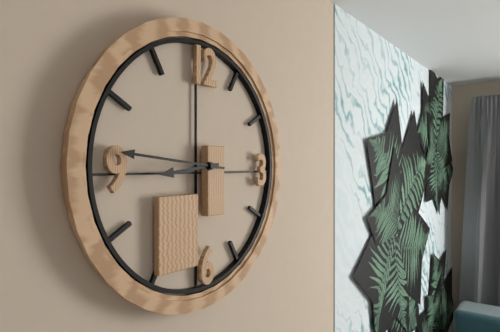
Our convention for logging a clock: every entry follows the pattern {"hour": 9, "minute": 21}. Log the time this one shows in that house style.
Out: {"hour": 8, "minute": 46}
